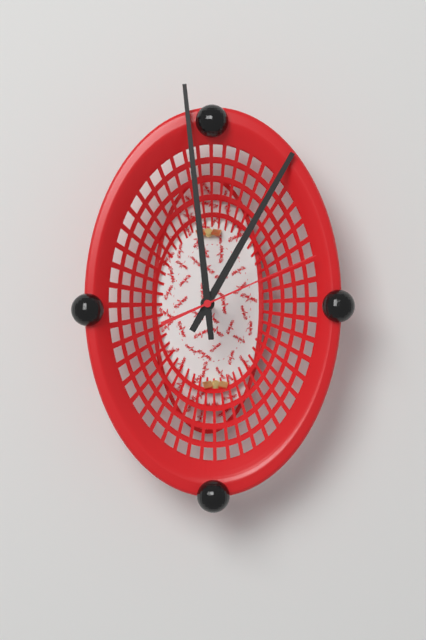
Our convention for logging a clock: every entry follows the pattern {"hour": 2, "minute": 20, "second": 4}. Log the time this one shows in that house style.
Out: {"hour": 12, "minute": 59, "second": 11}
